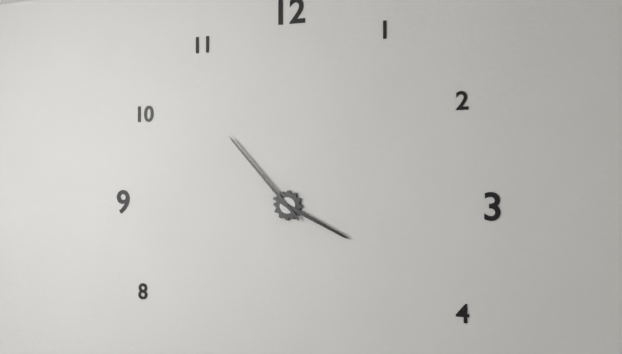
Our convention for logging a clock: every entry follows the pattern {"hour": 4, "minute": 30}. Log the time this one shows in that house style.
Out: {"hour": 3, "minute": 53}
